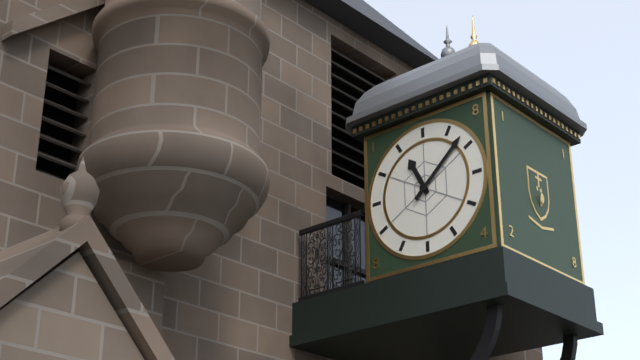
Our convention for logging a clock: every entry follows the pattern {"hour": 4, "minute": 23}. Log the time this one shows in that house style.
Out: {"hour": 11, "minute": 8}
